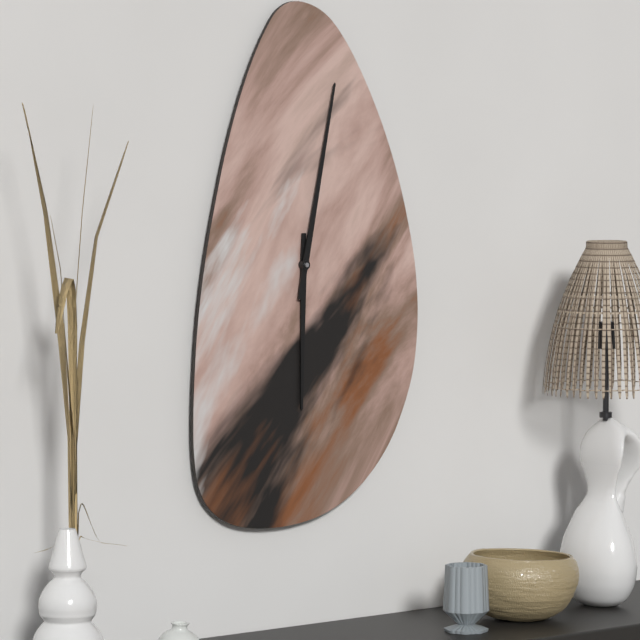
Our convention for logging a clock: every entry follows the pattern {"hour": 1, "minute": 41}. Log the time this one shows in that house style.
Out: {"hour": 6, "minute": 2}
